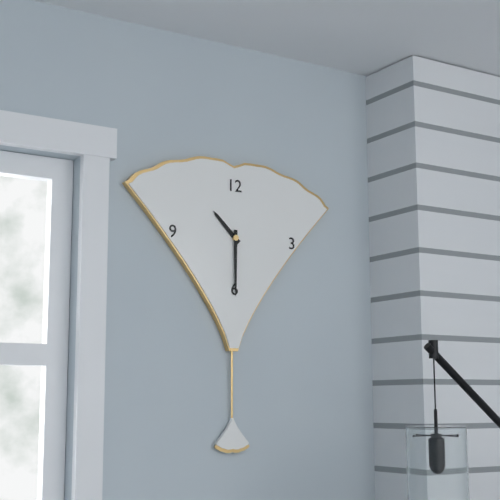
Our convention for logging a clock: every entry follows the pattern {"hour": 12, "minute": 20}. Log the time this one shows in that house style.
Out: {"hour": 10, "minute": 30}
